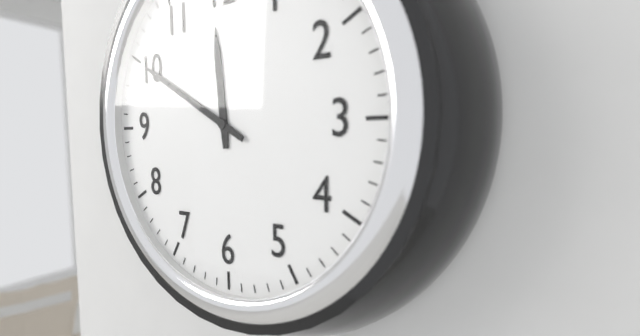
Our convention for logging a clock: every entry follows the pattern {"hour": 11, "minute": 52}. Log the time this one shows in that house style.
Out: {"hour": 11, "minute": 50}
